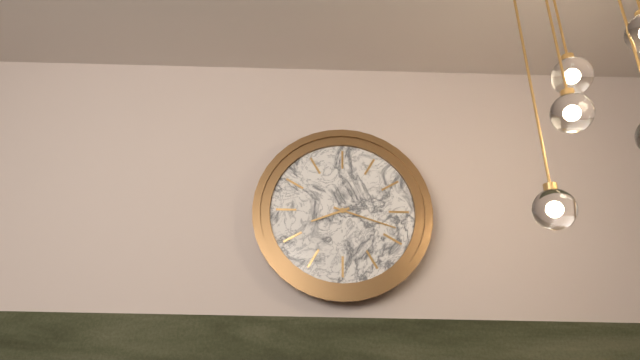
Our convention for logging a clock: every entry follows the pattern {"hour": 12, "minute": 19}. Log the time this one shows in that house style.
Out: {"hour": 8, "minute": 18}
